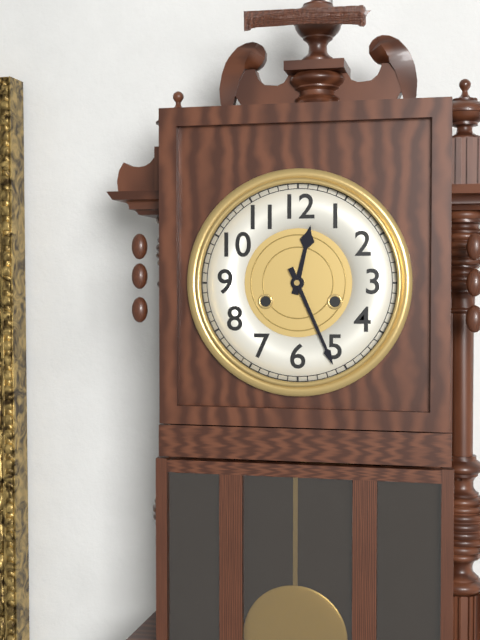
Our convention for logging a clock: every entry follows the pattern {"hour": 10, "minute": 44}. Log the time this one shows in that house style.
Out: {"hour": 12, "minute": 26}
